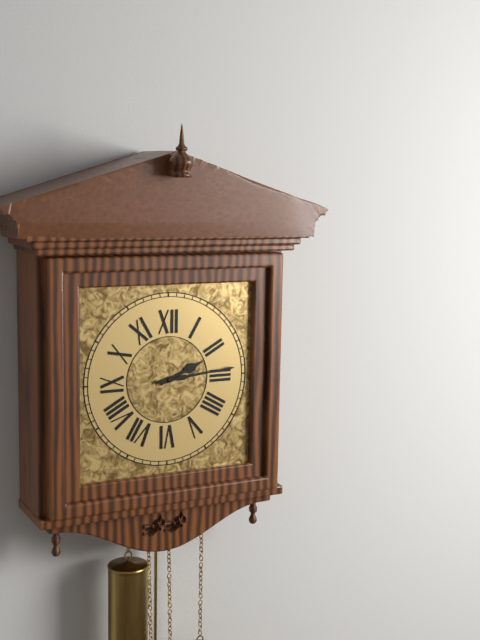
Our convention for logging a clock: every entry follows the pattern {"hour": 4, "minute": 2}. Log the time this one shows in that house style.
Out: {"hour": 2, "minute": 14}
